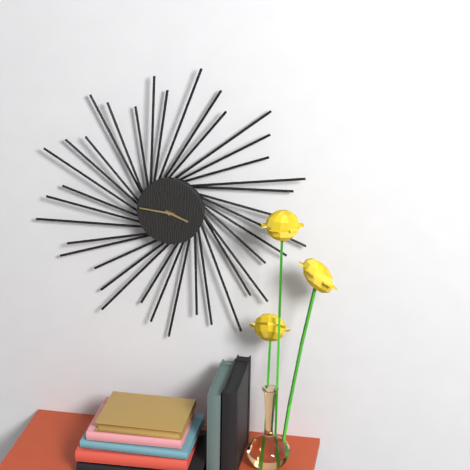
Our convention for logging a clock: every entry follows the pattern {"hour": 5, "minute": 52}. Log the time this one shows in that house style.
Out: {"hour": 3, "minute": 46}
